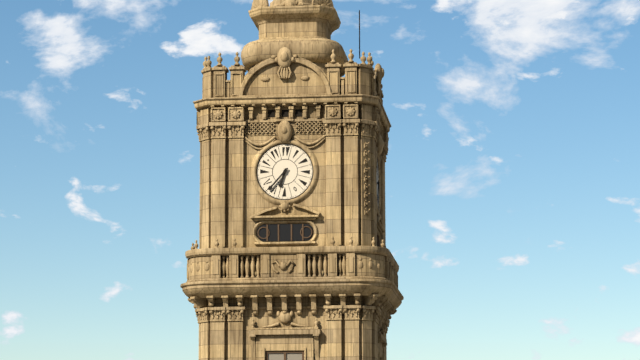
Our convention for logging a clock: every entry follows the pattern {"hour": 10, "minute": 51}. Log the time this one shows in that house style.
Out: {"hour": 6, "minute": 37}
